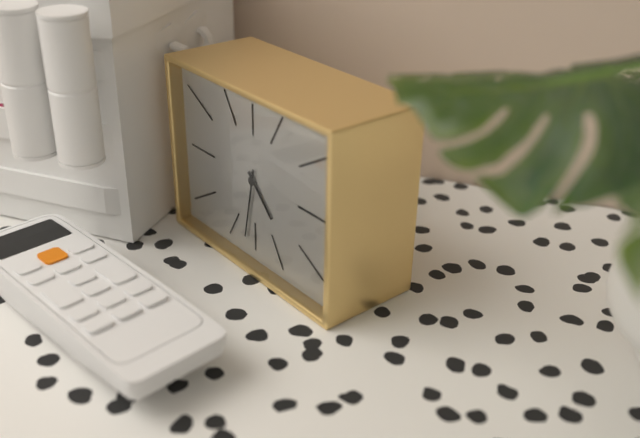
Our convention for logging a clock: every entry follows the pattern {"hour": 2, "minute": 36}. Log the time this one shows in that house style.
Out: {"hour": 4, "minute": 32}
